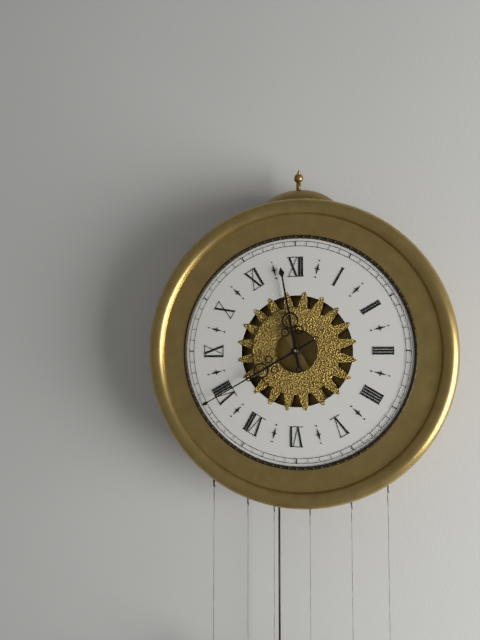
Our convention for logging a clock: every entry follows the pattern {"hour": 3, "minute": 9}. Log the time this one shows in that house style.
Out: {"hour": 11, "minute": 40}
